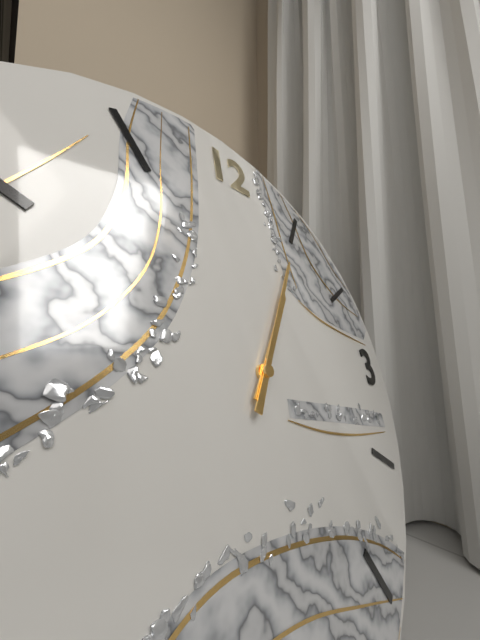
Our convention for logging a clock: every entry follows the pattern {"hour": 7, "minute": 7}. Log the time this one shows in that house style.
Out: {"hour": 1, "minute": 5}
